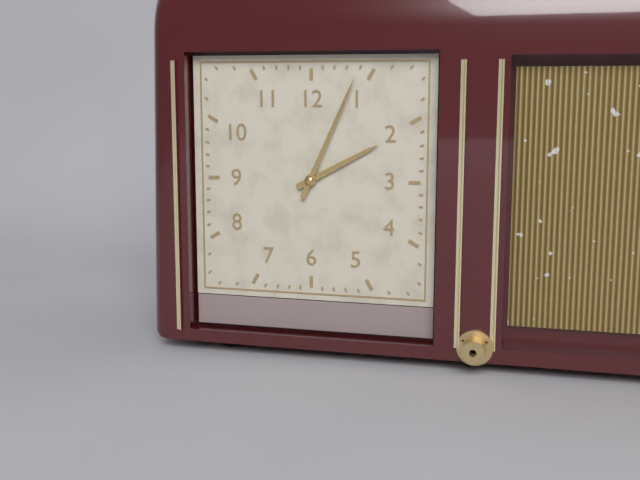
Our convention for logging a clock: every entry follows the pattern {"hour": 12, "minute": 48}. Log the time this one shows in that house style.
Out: {"hour": 2, "minute": 4}
